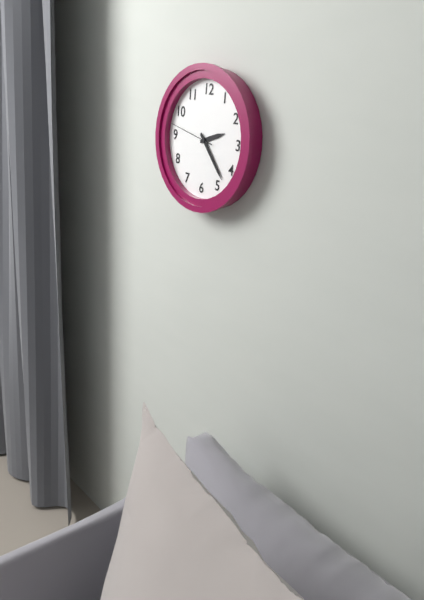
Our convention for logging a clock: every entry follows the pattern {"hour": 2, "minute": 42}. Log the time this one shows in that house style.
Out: {"hour": 2, "minute": 23}
